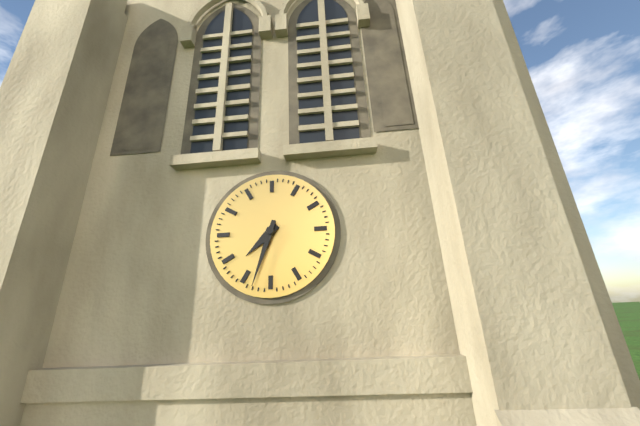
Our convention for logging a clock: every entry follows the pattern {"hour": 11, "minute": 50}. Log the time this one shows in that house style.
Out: {"hour": 7, "minute": 33}
